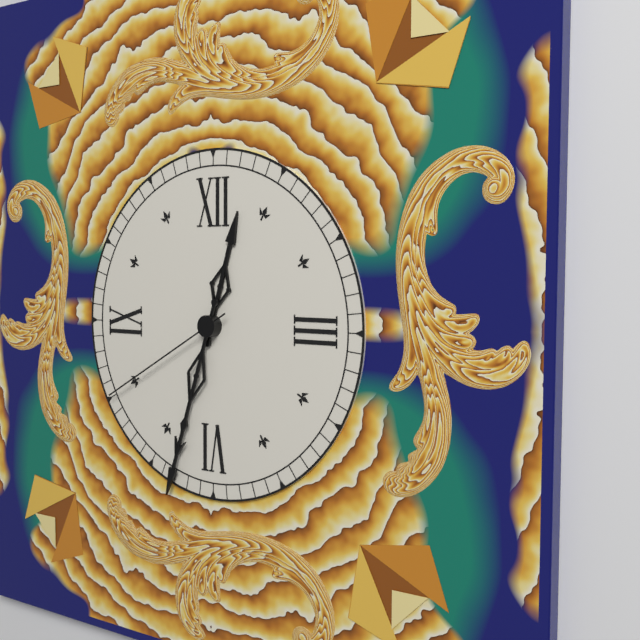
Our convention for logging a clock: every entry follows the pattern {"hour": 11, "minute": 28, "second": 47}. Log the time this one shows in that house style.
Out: {"hour": 12, "minute": 33, "second": 40}
